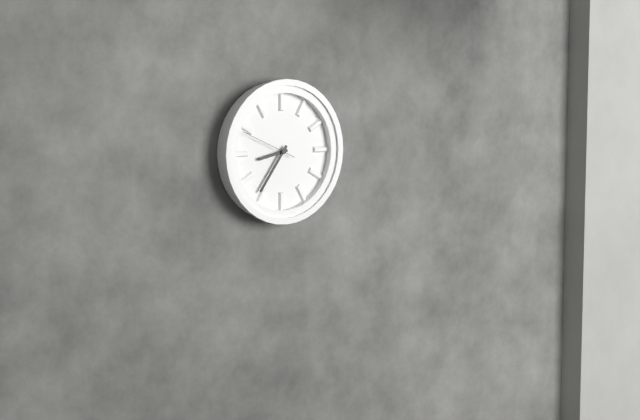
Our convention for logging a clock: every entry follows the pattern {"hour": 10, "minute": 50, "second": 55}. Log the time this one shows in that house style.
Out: {"hour": 8, "minute": 36, "second": 49}
